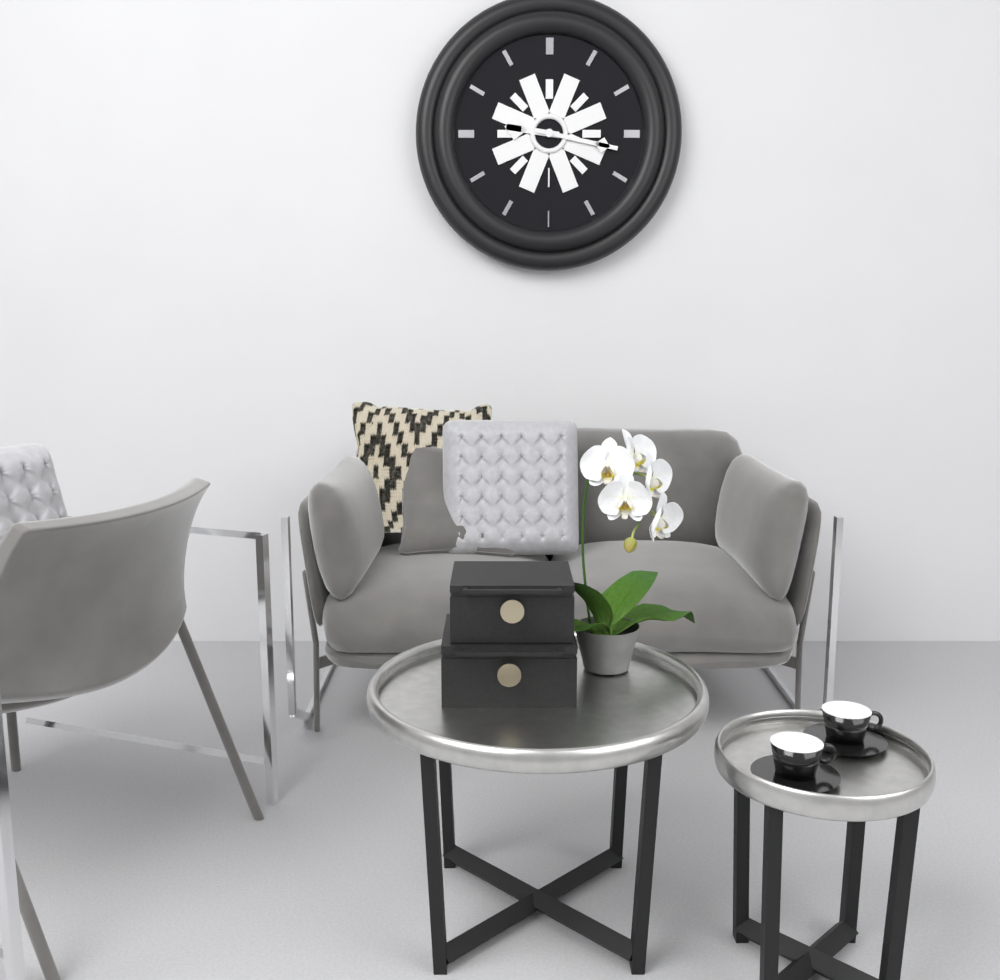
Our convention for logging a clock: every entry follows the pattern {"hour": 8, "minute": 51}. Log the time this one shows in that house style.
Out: {"hour": 9, "minute": 17}
